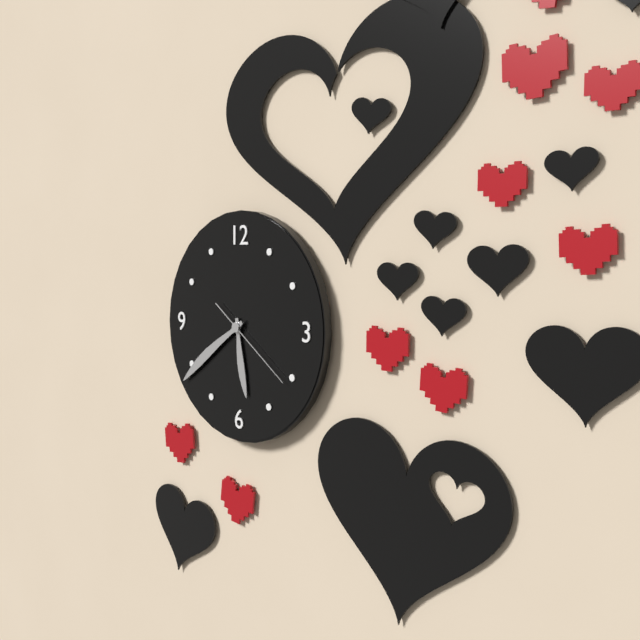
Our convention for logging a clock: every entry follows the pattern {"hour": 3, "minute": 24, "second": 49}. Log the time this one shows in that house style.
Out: {"hour": 5, "minute": 39, "second": 21}
